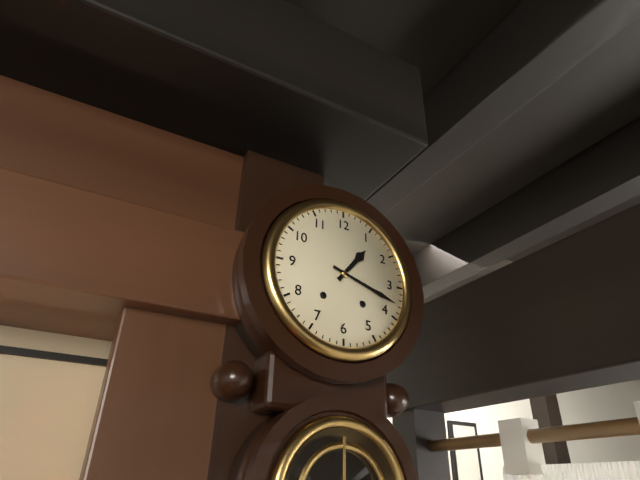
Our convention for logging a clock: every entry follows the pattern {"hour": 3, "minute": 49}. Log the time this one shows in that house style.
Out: {"hour": 1, "minute": 18}
